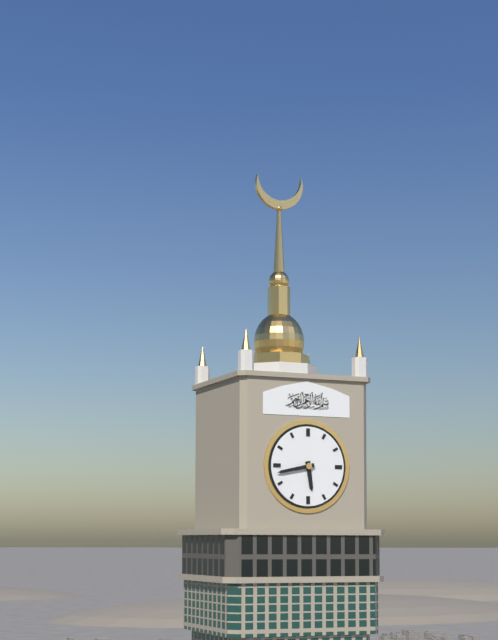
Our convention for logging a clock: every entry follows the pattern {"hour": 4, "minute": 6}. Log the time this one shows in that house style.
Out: {"hour": 5, "minute": 43}
